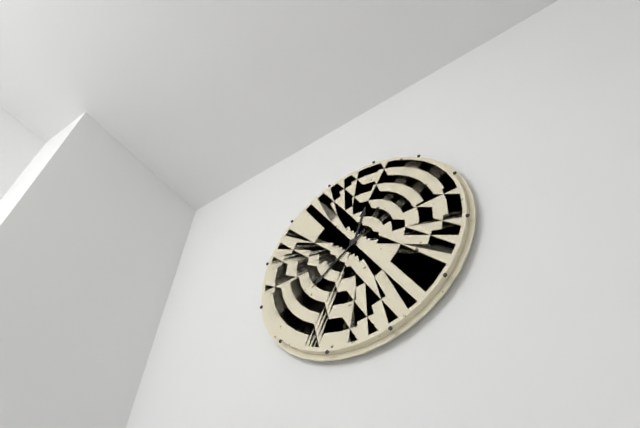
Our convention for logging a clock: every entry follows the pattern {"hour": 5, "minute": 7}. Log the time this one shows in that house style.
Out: {"hour": 12, "minute": 39}
